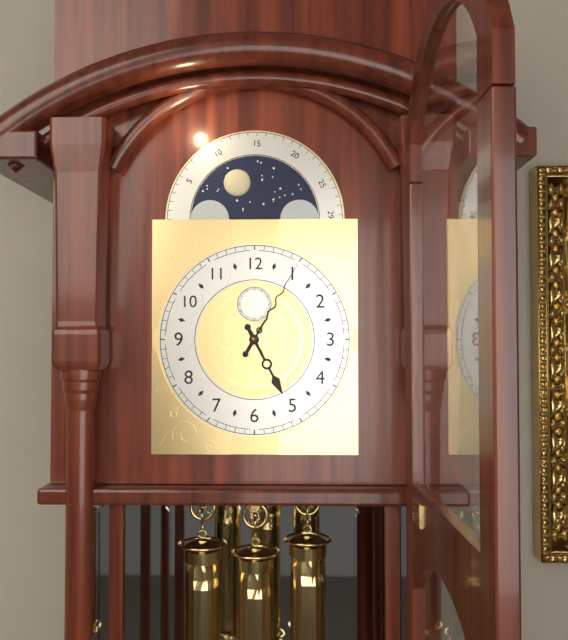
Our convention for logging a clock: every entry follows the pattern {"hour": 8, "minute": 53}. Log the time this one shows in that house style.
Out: {"hour": 5, "minute": 5}
